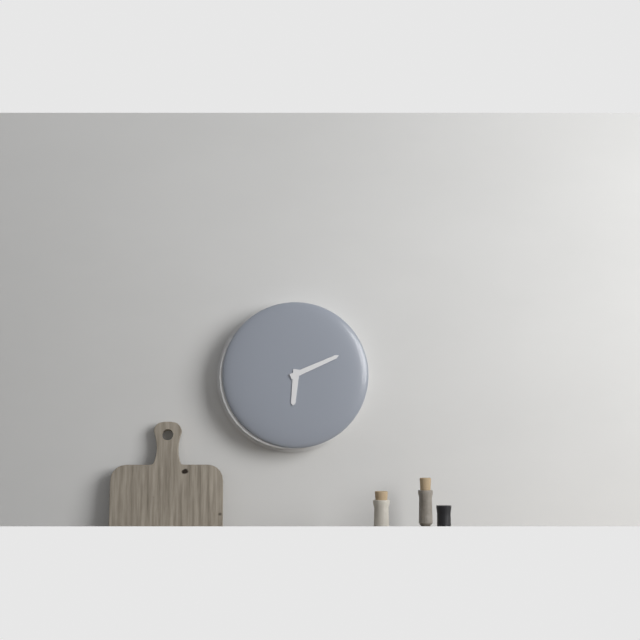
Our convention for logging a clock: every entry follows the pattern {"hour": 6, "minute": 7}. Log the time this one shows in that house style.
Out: {"hour": 6, "minute": 11}
